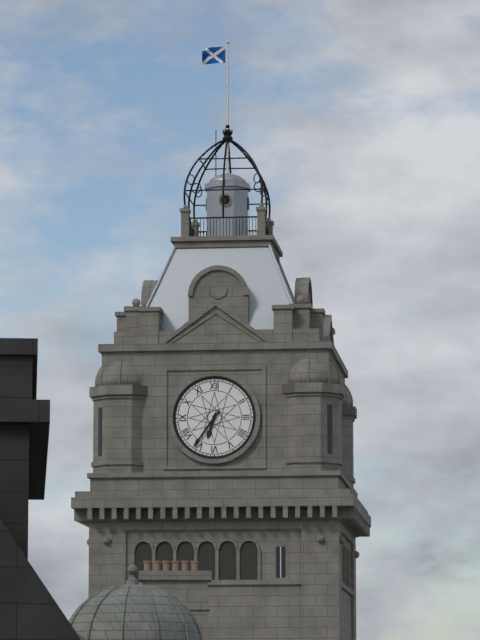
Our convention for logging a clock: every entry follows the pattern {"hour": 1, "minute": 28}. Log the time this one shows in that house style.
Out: {"hour": 6, "minute": 36}
